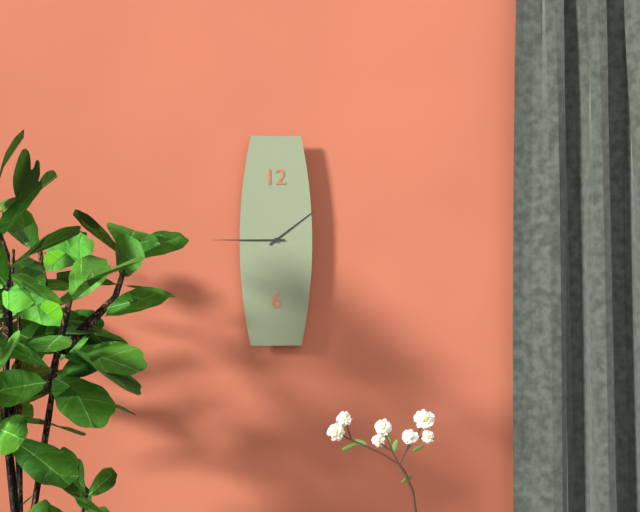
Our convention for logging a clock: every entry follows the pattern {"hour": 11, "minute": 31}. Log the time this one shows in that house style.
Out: {"hour": 1, "minute": 45}
